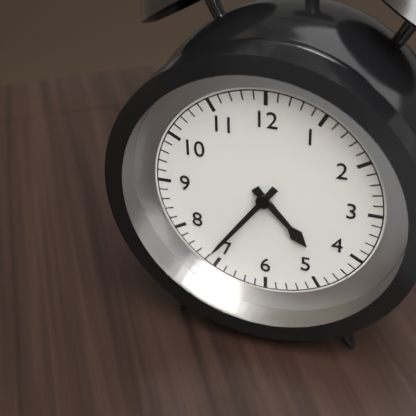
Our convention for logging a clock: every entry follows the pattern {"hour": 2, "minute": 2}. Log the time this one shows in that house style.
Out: {"hour": 4, "minute": 36}
